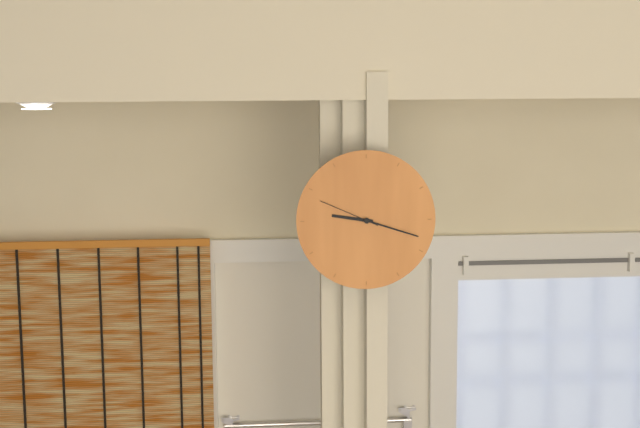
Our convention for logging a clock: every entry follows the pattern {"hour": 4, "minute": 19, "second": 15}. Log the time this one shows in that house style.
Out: {"hour": 9, "minute": 18, "second": 49}
